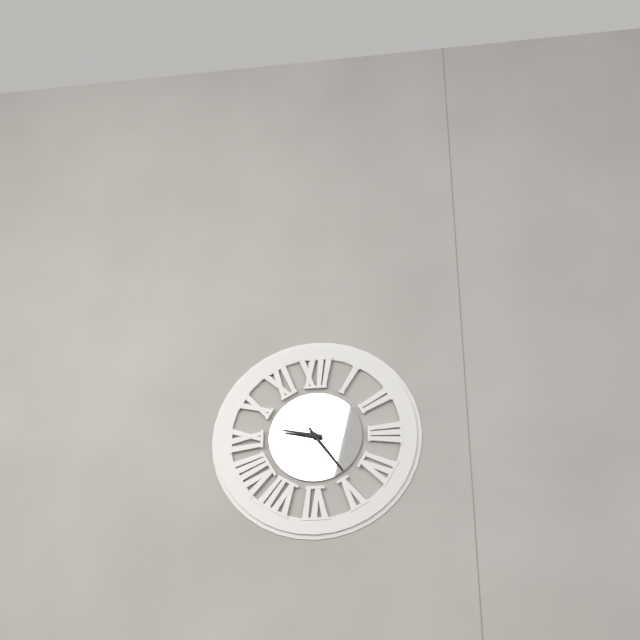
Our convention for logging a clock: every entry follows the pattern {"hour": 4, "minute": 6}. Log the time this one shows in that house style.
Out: {"hour": 9, "minute": 24}
